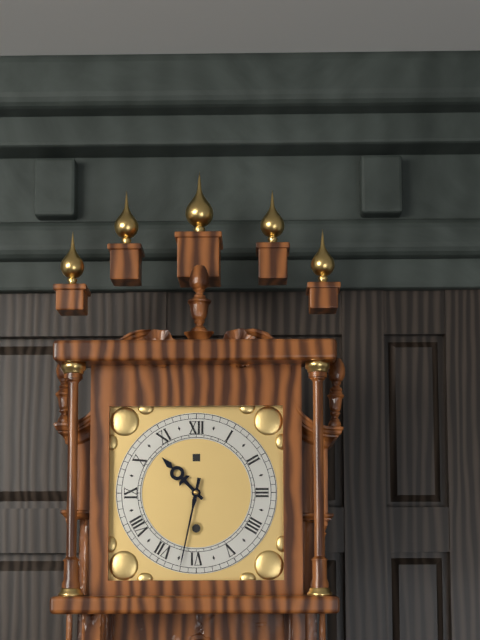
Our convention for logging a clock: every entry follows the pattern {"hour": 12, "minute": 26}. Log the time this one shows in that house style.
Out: {"hour": 10, "minute": 32}
